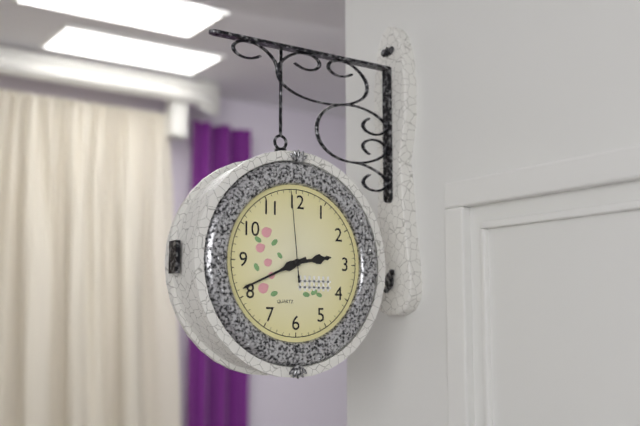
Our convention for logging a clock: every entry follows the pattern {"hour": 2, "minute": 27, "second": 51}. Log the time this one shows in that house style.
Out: {"hour": 2, "minute": 41, "second": 59}
